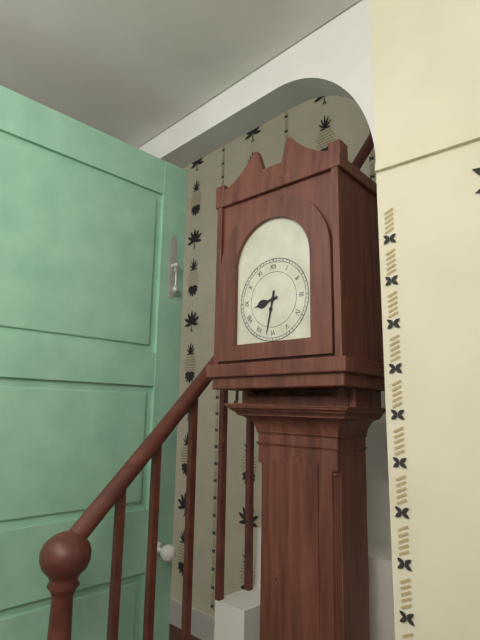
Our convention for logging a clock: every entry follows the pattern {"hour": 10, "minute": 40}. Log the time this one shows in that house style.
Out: {"hour": 8, "minute": 32}
